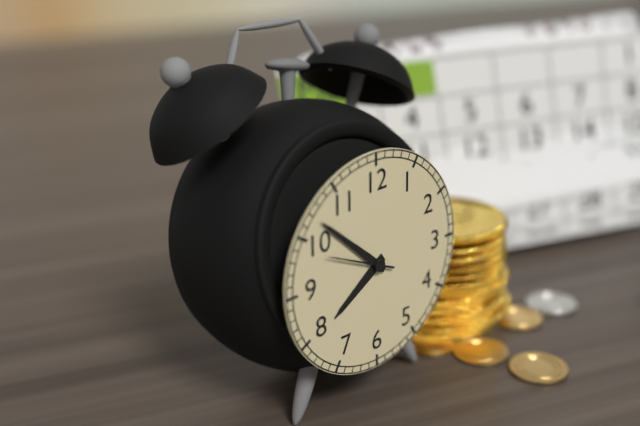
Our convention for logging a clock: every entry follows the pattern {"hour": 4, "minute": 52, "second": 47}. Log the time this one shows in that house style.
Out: {"hour": 7, "minute": 52, "second": 49}
